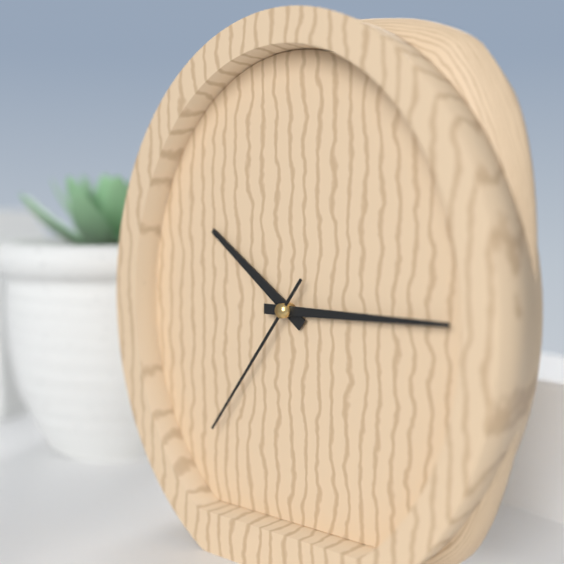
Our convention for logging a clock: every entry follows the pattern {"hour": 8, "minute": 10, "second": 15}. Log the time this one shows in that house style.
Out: {"hour": 10, "minute": 15, "second": 36}
